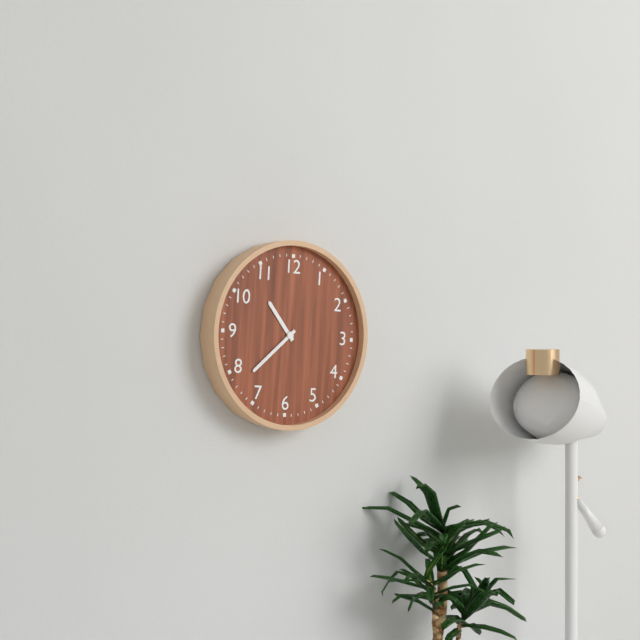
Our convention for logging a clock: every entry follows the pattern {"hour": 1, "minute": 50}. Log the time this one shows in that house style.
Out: {"hour": 10, "minute": 38}
